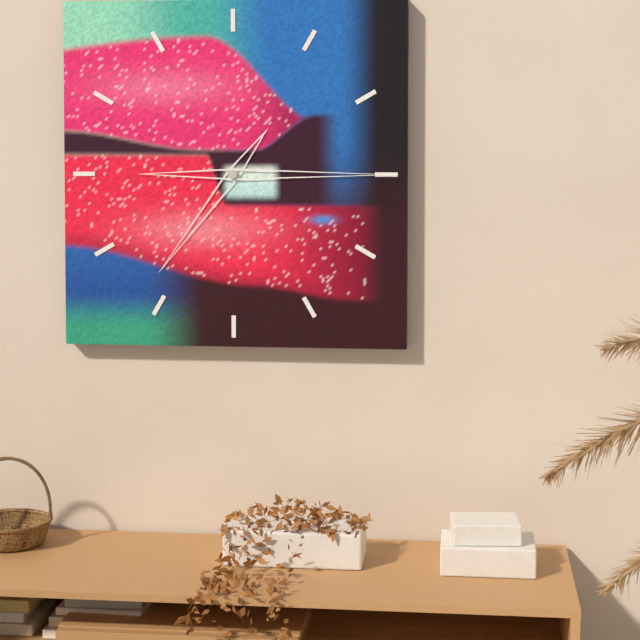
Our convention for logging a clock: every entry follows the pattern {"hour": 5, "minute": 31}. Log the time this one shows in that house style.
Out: {"hour": 7, "minute": 15}
